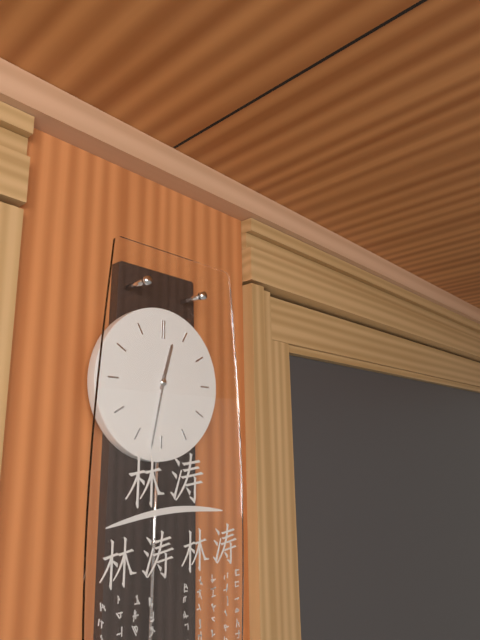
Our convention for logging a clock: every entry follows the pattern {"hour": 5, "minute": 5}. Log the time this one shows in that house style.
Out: {"hour": 12, "minute": 32}
